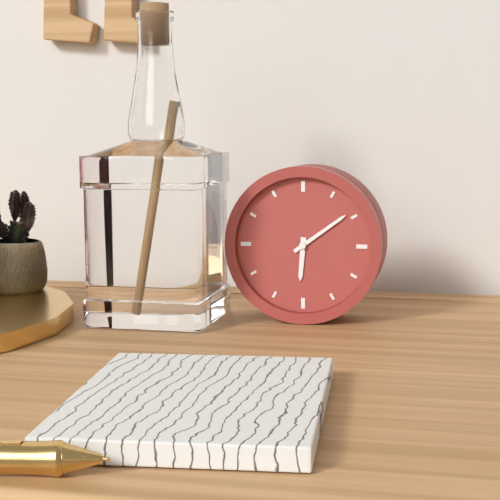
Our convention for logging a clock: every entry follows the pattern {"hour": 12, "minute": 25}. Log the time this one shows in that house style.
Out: {"hour": 6, "minute": 9}
